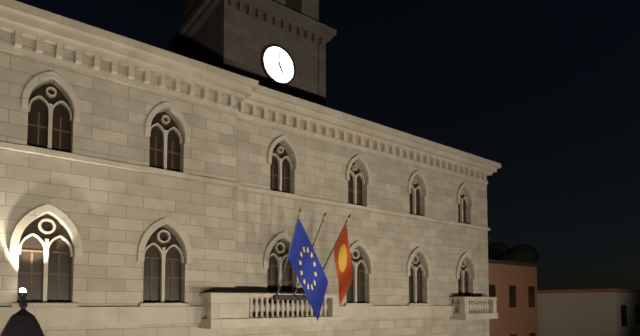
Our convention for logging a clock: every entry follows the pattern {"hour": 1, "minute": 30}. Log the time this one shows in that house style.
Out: {"hour": 5, "minute": 0}
